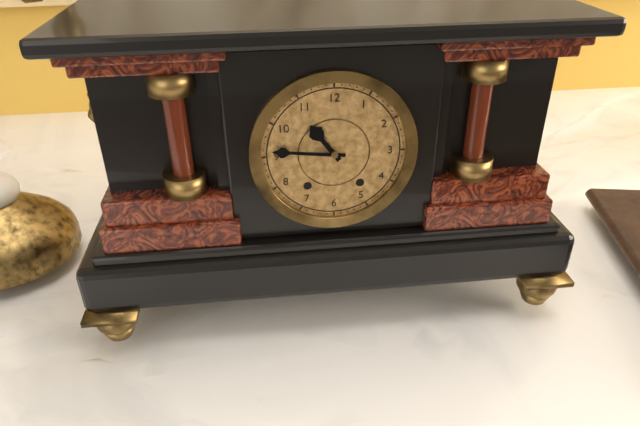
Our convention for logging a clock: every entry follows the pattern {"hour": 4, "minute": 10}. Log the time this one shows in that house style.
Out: {"hour": 10, "minute": 46}
